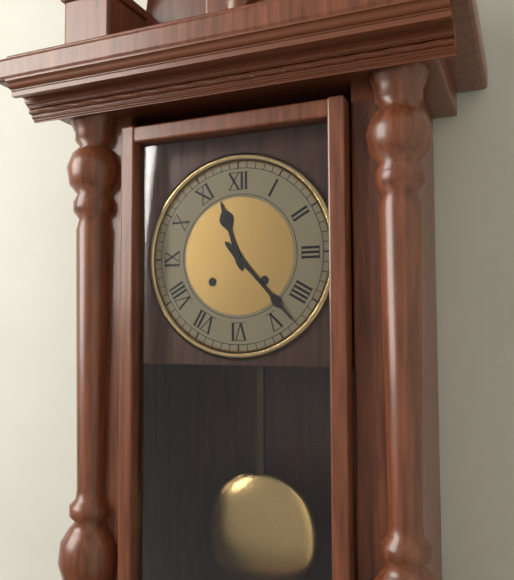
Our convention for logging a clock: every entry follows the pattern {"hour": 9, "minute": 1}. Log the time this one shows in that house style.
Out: {"hour": 11, "minute": 23}
